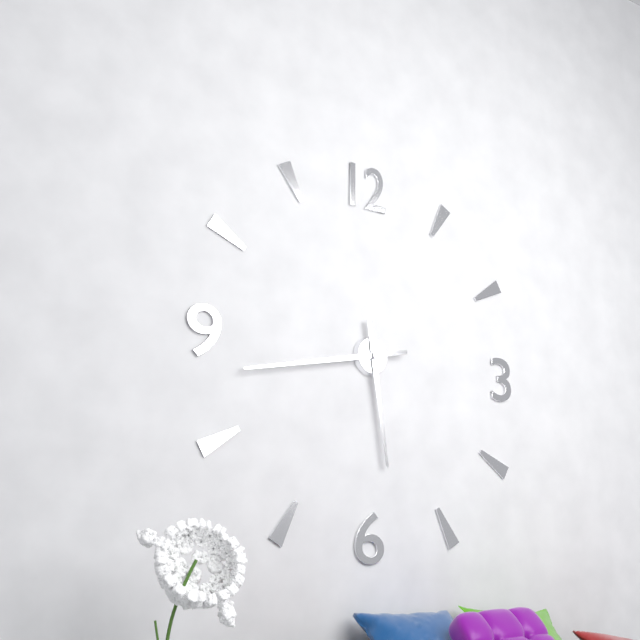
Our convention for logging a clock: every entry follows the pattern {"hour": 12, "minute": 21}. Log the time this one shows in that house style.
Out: {"hour": 5, "minute": 43}
